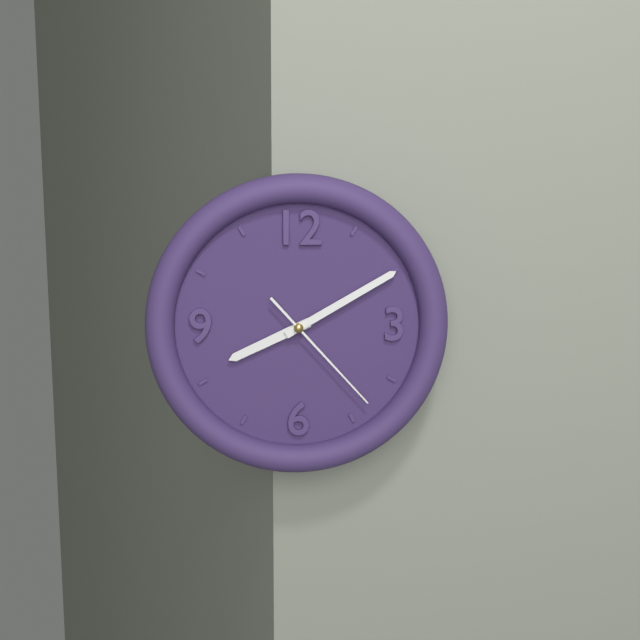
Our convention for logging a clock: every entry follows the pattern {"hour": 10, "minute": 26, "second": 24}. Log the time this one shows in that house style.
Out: {"hour": 8, "minute": 10, "second": 23}
